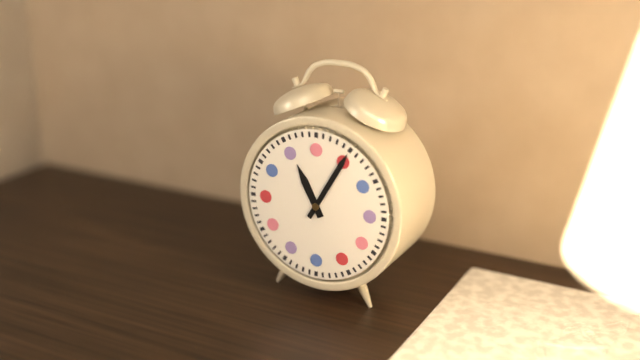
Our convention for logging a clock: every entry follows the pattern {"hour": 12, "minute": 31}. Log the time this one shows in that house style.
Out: {"hour": 11, "minute": 5}
